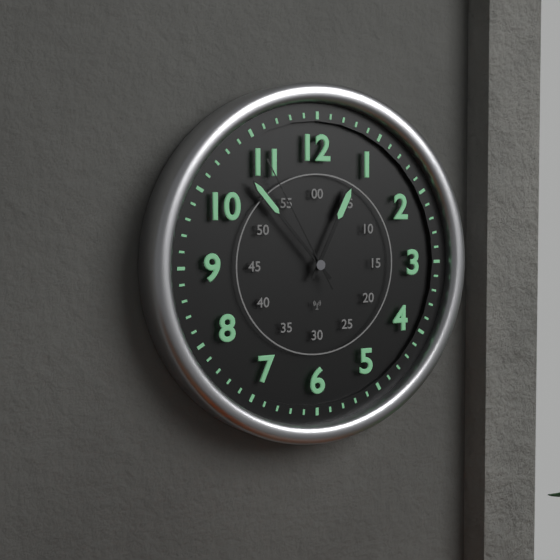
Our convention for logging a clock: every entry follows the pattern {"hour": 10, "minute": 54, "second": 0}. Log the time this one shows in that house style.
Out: {"hour": 12, "minute": 53, "second": 55}
